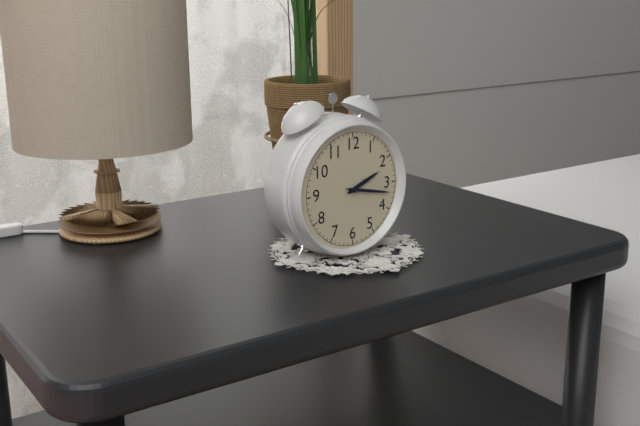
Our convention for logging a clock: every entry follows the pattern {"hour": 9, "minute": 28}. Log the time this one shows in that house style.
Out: {"hour": 2, "minute": 17}
